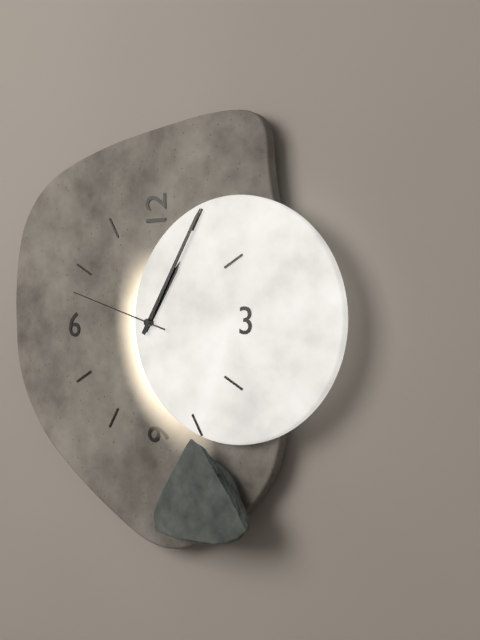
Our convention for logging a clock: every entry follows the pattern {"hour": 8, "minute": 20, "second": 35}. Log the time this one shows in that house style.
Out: {"hour": 1, "minute": 5, "second": 48}
